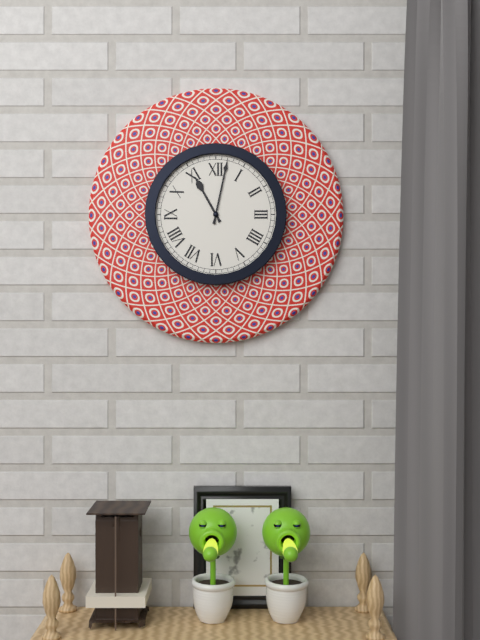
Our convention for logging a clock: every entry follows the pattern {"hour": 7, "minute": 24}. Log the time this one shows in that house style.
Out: {"hour": 11, "minute": 2}
